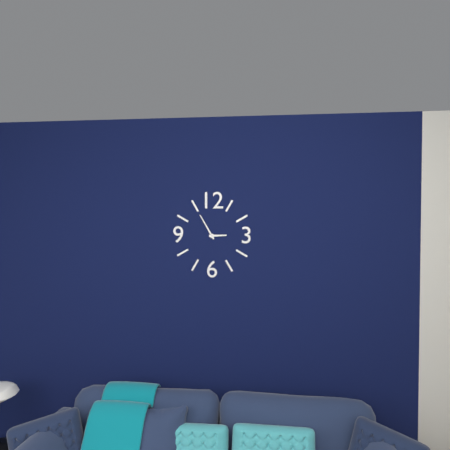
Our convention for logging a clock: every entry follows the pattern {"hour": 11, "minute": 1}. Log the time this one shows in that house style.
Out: {"hour": 2, "minute": 55}
